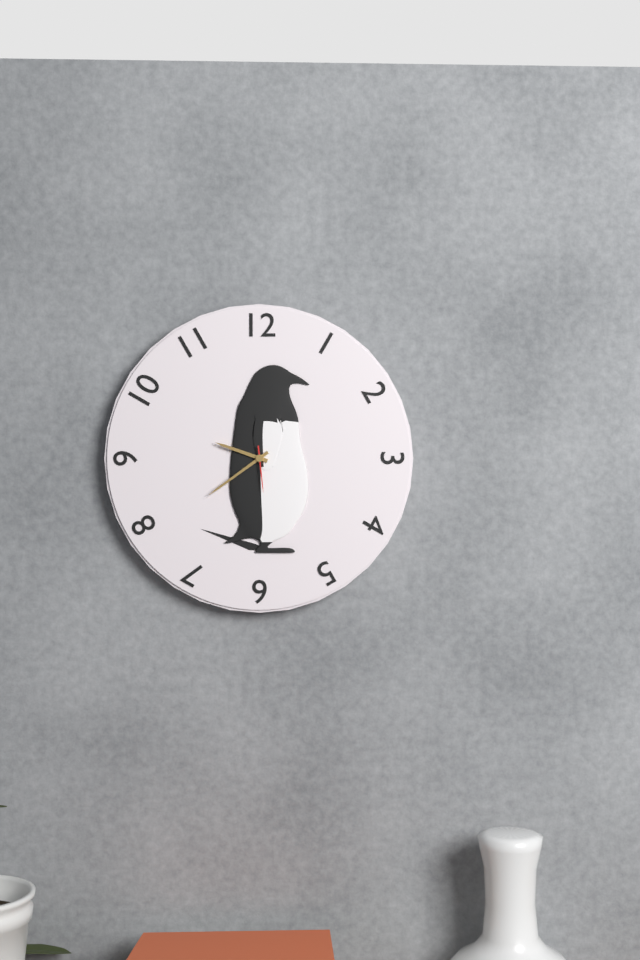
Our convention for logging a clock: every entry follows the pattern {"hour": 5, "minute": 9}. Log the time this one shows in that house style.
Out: {"hour": 9, "minute": 39}
